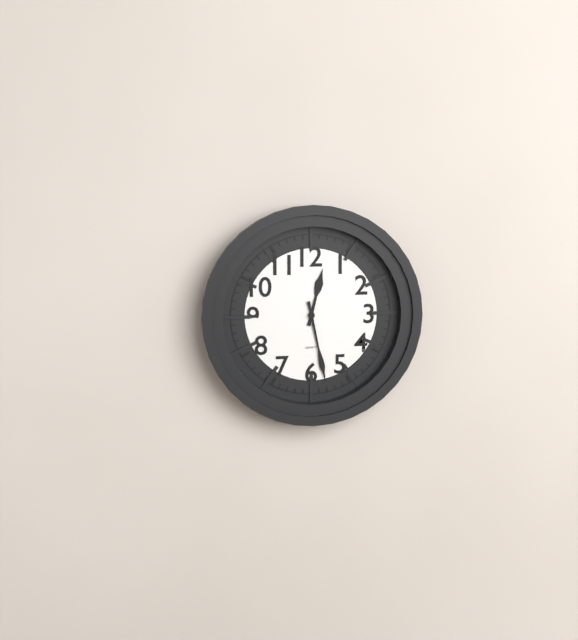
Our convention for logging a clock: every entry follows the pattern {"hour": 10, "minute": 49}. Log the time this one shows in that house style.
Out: {"hour": 12, "minute": 28}
